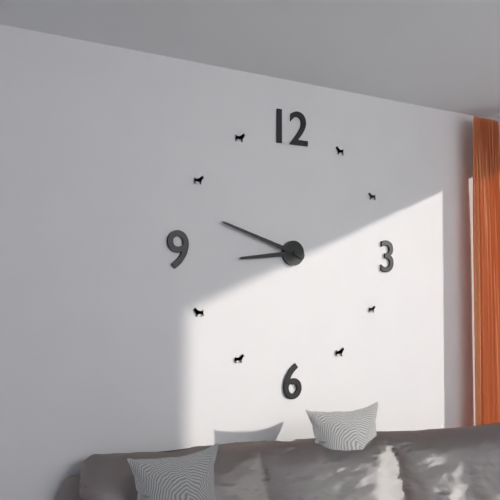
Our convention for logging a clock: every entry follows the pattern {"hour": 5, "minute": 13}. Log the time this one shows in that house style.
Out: {"hour": 8, "minute": 48}
